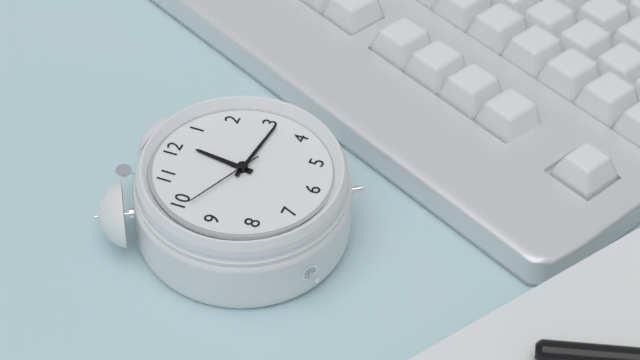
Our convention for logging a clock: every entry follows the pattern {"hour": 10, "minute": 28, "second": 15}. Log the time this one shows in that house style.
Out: {"hour": 12, "minute": 16, "second": 49}
